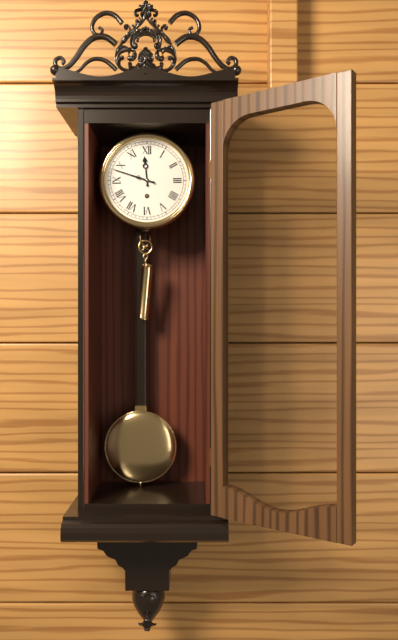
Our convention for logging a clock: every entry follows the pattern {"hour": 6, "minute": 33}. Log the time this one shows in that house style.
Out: {"hour": 11, "minute": 48}
